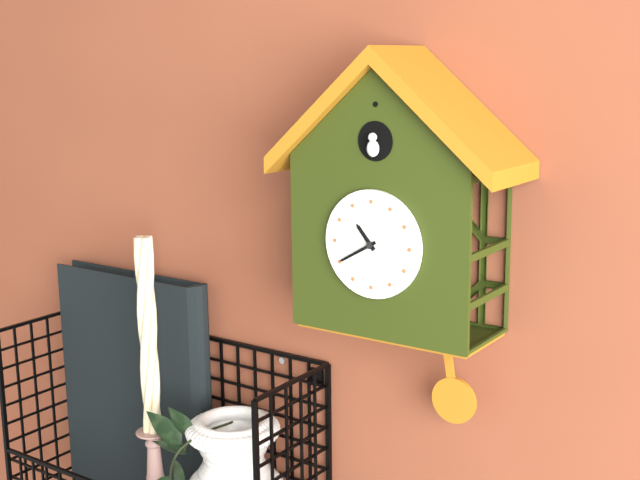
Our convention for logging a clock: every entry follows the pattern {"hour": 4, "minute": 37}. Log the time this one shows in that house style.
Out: {"hour": 10, "minute": 40}
